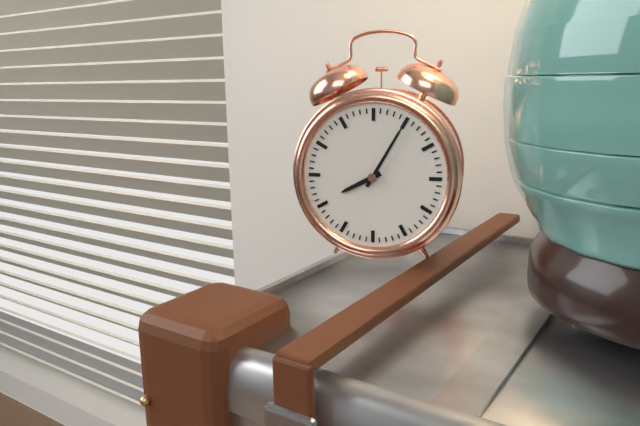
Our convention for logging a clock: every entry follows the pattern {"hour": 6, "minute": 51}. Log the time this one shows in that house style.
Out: {"hour": 8, "minute": 5}
